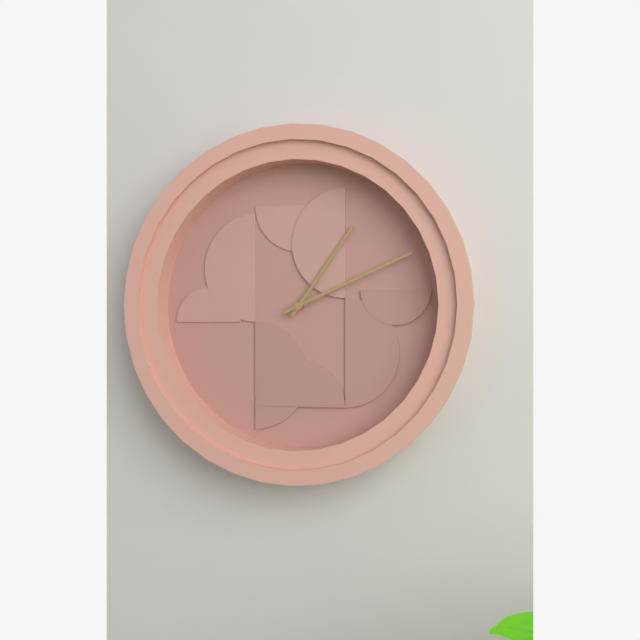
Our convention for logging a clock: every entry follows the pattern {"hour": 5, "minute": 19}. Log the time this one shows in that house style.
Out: {"hour": 1, "minute": 11}
